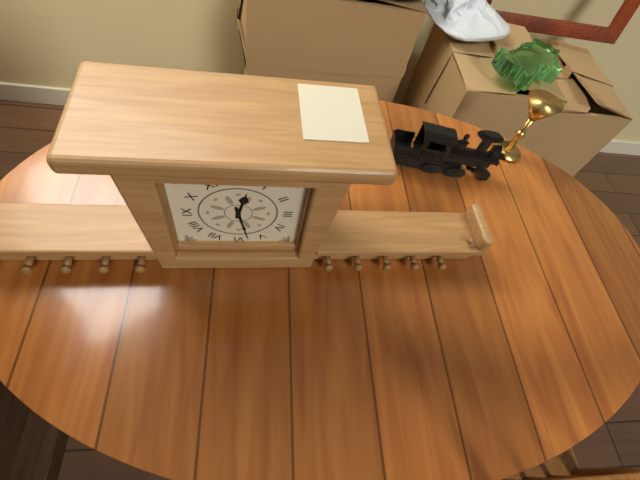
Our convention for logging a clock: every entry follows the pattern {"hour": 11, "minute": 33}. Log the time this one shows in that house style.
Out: {"hour": 12, "minute": 28}
